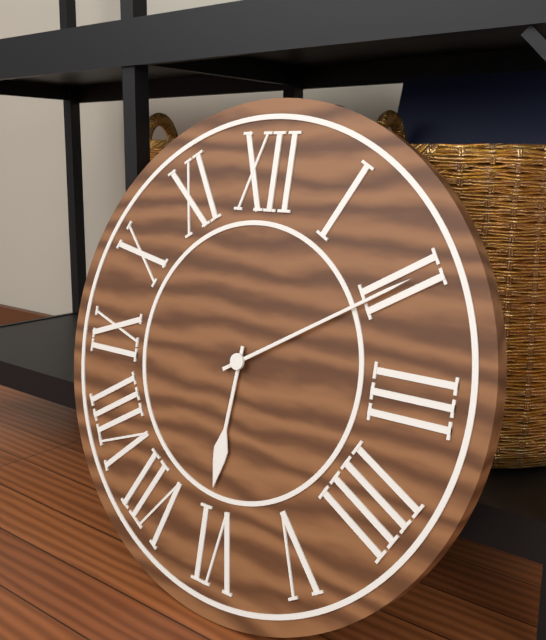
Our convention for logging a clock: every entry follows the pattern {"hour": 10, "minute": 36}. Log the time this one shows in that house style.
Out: {"hour": 6, "minute": 10}
